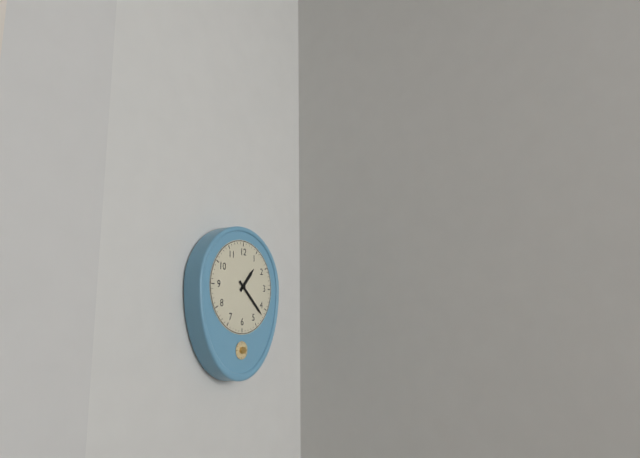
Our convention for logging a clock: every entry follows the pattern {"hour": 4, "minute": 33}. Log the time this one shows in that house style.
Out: {"hour": 1, "minute": 22}
